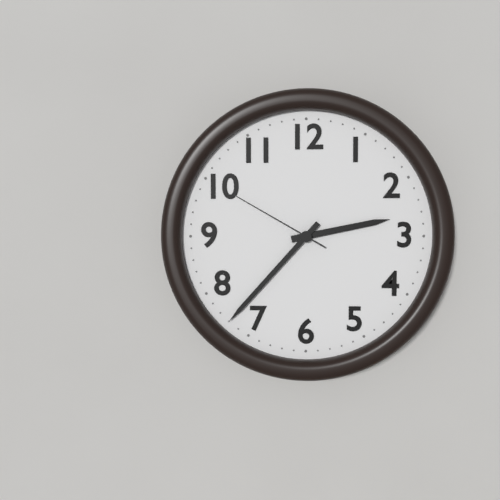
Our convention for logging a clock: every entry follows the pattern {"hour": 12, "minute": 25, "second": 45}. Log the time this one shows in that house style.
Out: {"hour": 2, "minute": 37, "second": 50}
